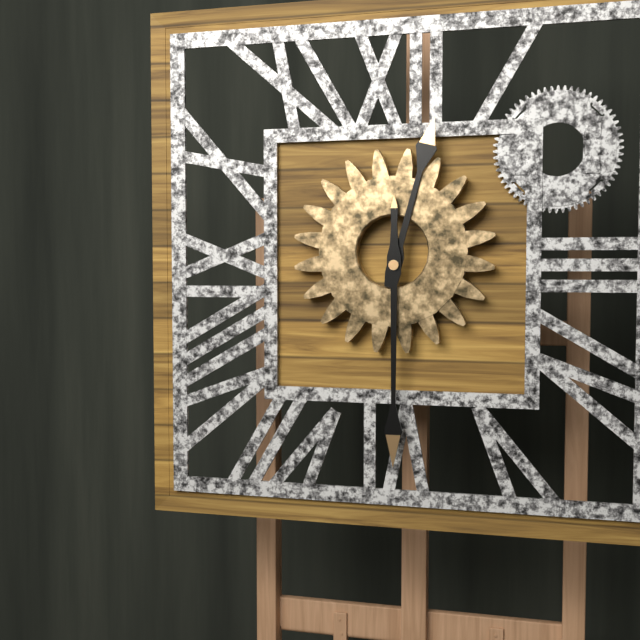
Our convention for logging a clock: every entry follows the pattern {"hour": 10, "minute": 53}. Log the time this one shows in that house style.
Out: {"hour": 12, "minute": 30}
